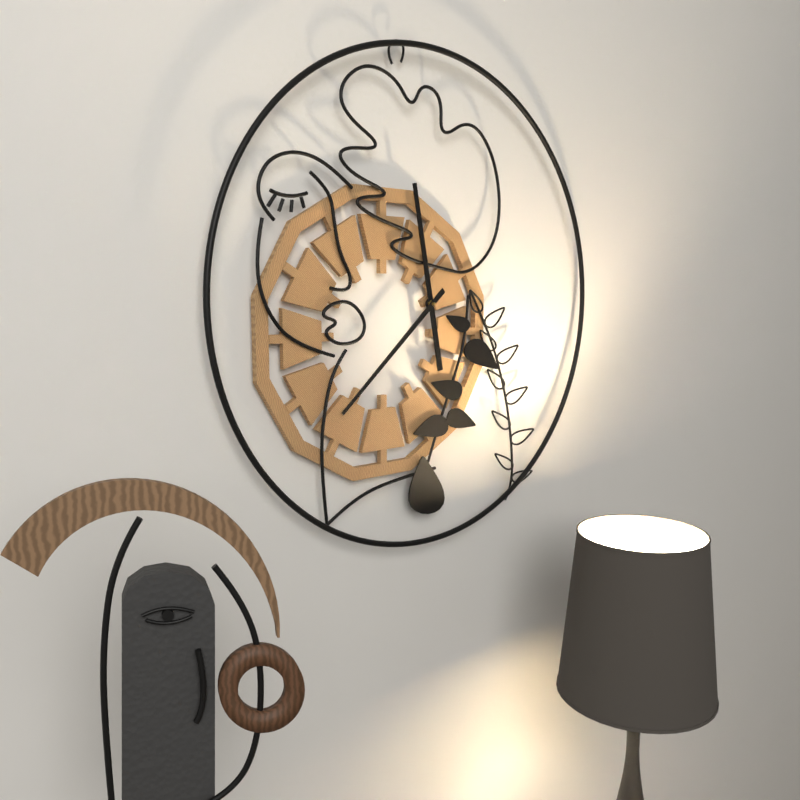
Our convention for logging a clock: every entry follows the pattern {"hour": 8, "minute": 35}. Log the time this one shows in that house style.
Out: {"hour": 11, "minute": 38}
